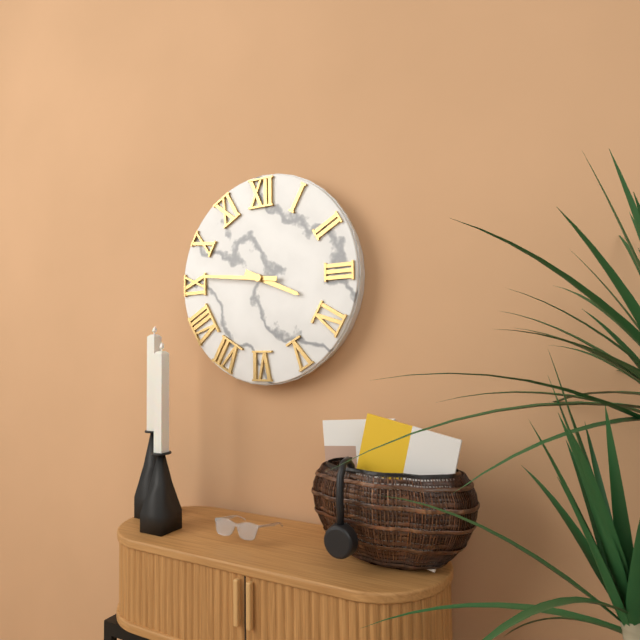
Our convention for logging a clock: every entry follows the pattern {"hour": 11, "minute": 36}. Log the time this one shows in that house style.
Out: {"hour": 3, "minute": 46}
